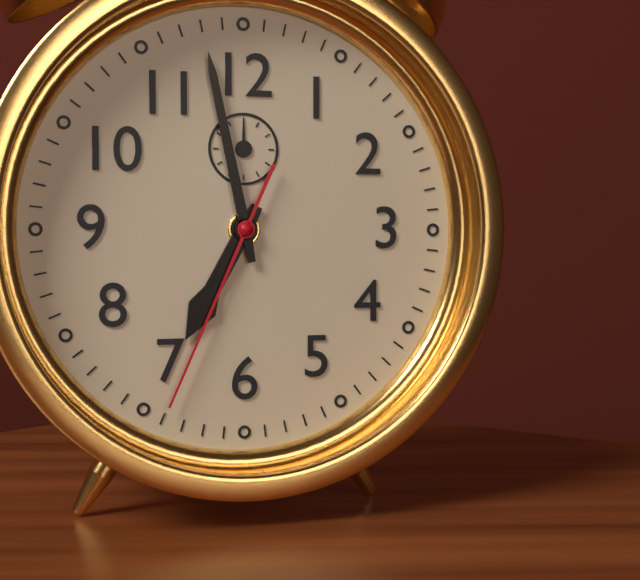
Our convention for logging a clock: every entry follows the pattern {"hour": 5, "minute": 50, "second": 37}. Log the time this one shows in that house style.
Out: {"hour": 6, "minute": 58, "second": 34}
